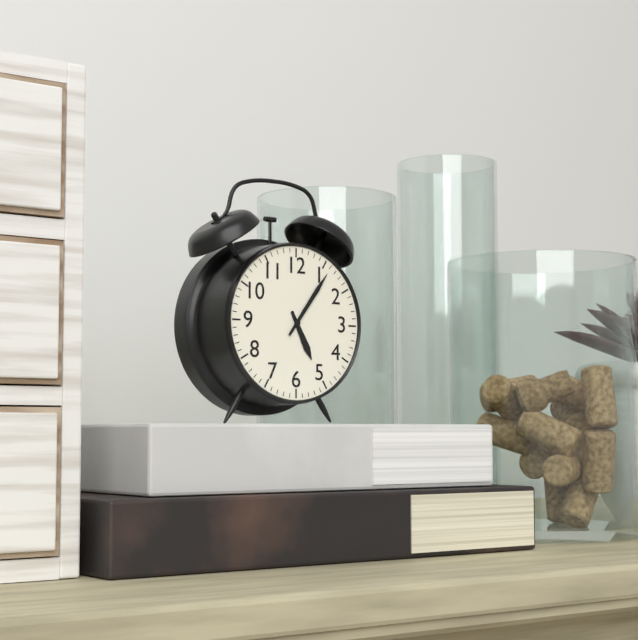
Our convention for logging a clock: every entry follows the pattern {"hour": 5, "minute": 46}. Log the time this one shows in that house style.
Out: {"hour": 5, "minute": 6}
